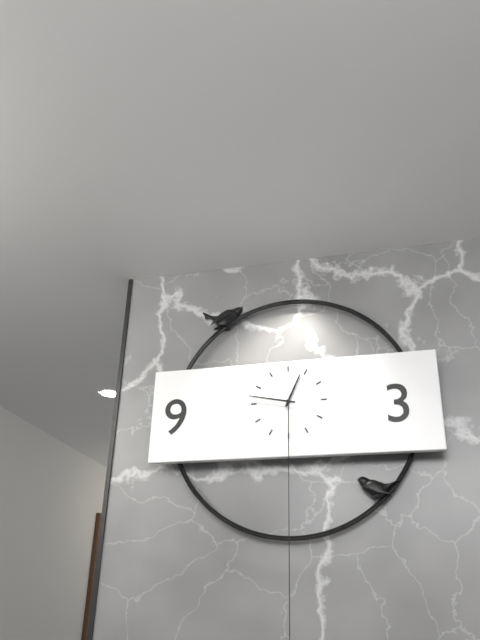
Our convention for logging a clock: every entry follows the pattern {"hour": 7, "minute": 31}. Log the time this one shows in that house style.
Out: {"hour": 12, "minute": 47}
